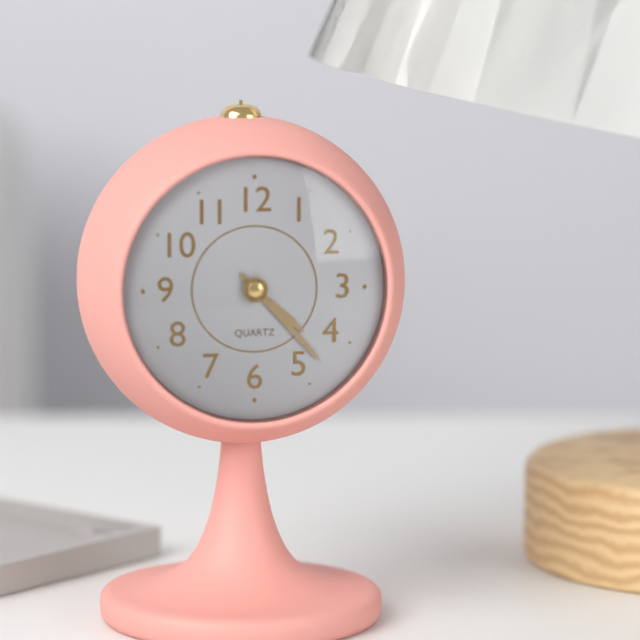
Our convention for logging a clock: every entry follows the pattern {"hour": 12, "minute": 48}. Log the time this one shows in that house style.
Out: {"hour": 4, "minute": 23}
